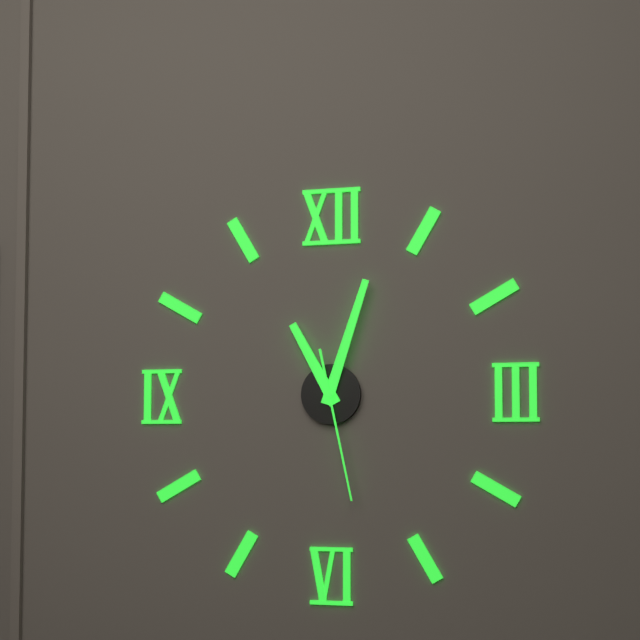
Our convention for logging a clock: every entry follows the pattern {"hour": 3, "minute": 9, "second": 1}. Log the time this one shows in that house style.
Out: {"hour": 11, "minute": 3, "second": 28}
